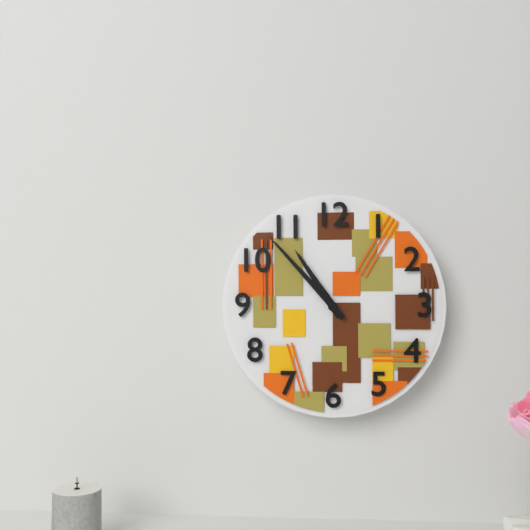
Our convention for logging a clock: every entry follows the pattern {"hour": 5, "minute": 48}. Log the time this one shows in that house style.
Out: {"hour": 10, "minute": 53}
